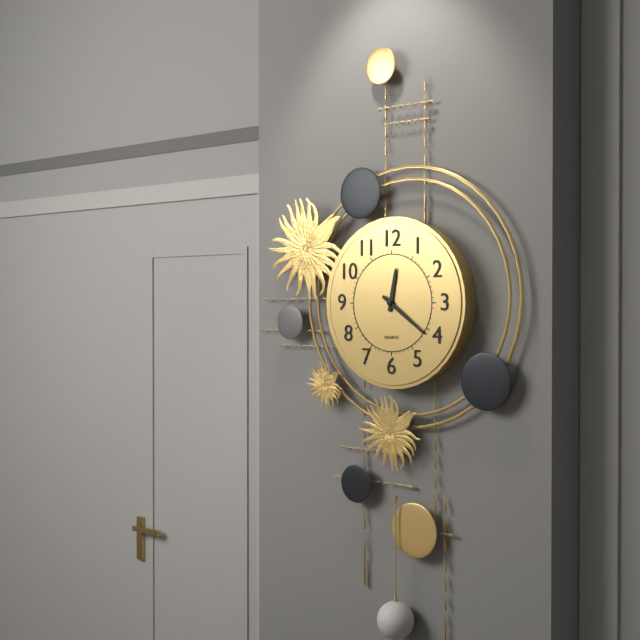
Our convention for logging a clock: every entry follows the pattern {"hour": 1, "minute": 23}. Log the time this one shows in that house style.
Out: {"hour": 12, "minute": 21}
